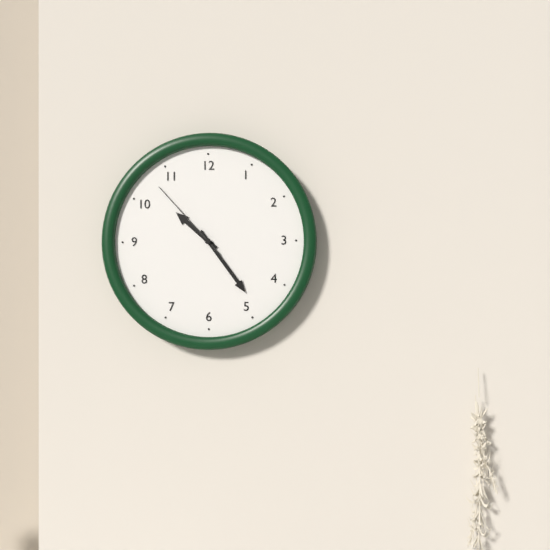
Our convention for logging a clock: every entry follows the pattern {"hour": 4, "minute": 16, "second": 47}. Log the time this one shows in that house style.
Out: {"hour": 10, "minute": 24, "second": 53}
